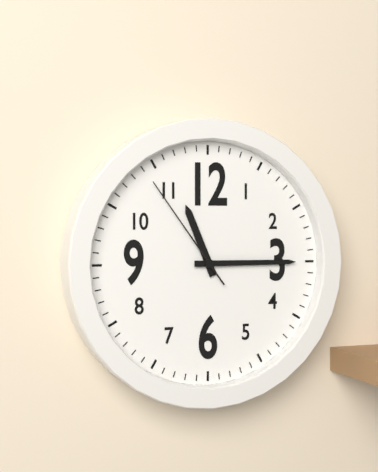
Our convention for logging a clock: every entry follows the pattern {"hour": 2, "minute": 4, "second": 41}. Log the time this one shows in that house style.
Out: {"hour": 11, "minute": 15, "second": 54}
